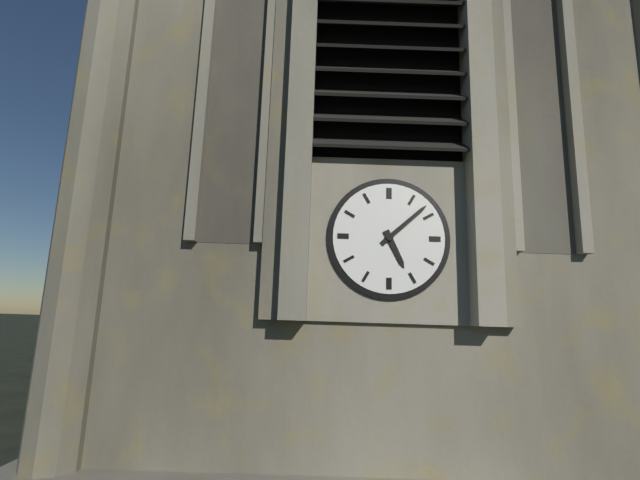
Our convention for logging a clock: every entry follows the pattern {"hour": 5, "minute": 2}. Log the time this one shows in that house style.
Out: {"hour": 5, "minute": 8}
